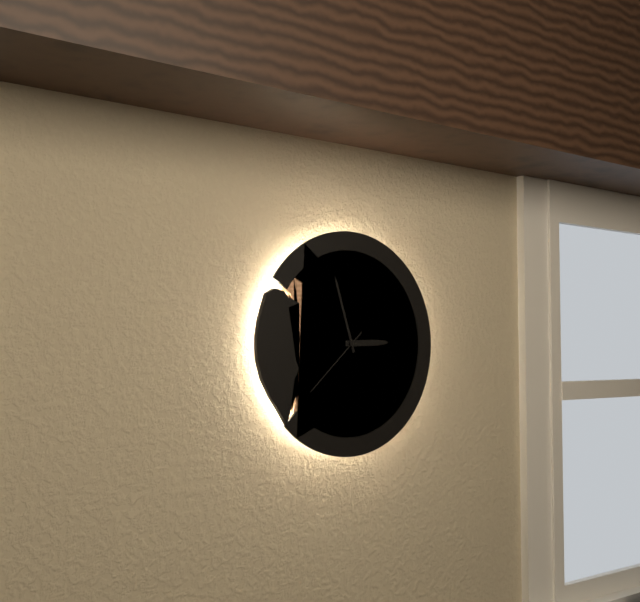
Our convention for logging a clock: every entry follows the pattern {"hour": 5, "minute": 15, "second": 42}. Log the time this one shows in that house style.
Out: {"hour": 2, "minute": 57, "second": 38}
